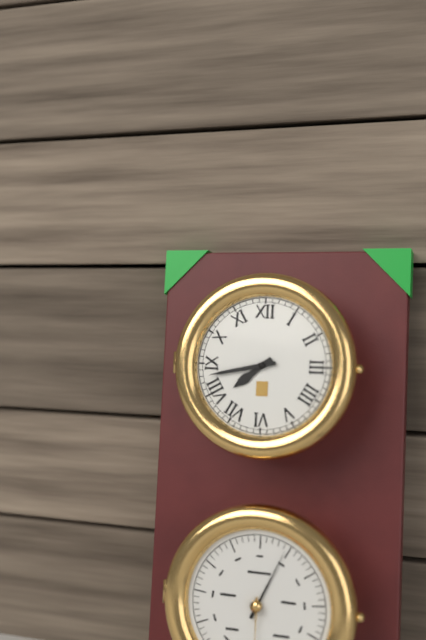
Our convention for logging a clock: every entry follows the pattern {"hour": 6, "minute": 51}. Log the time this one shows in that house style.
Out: {"hour": 7, "minute": 43}
